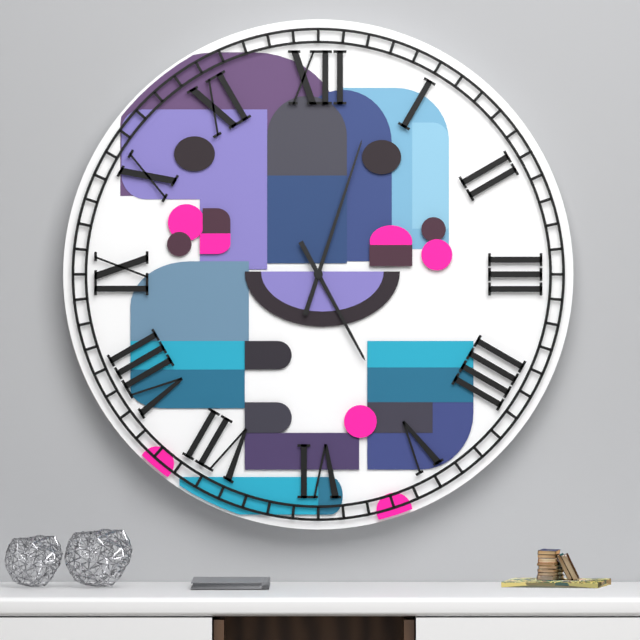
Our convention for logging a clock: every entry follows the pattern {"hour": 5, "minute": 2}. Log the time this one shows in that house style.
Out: {"hour": 5, "minute": 3}
